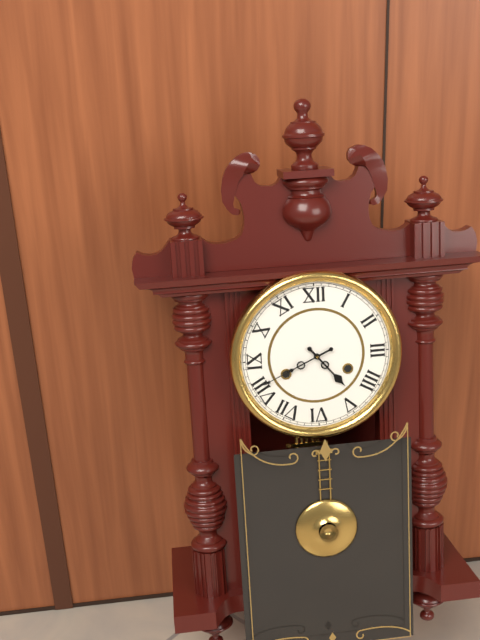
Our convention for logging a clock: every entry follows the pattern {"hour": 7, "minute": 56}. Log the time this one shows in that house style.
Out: {"hour": 4, "minute": 41}
